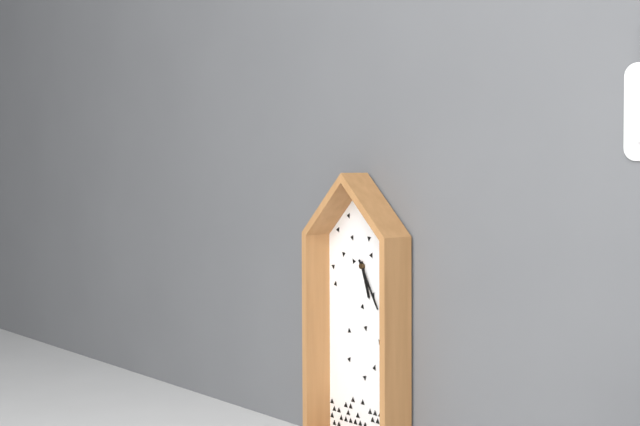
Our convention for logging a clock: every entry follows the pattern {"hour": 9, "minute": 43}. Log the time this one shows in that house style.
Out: {"hour": 5, "minute": 25}
